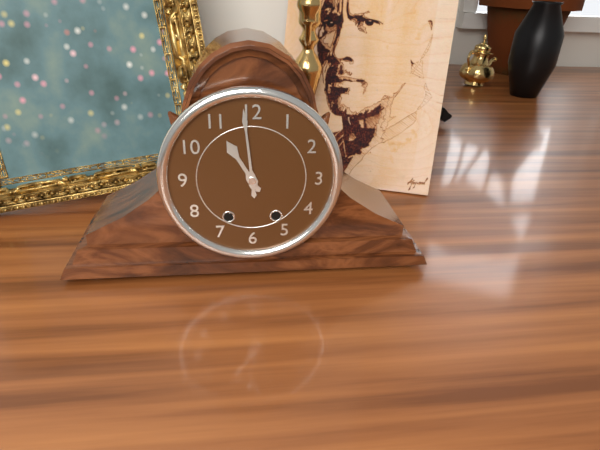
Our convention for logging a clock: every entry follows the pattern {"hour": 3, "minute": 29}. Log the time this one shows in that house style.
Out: {"hour": 10, "minute": 59}
